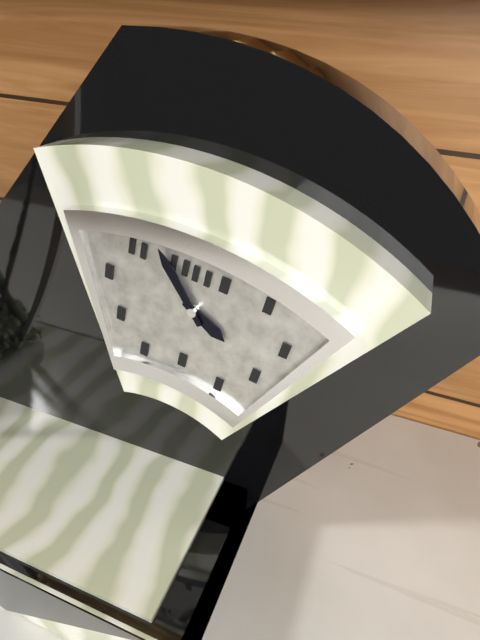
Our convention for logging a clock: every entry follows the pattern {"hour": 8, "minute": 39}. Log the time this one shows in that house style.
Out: {"hour": 3, "minute": 53}
